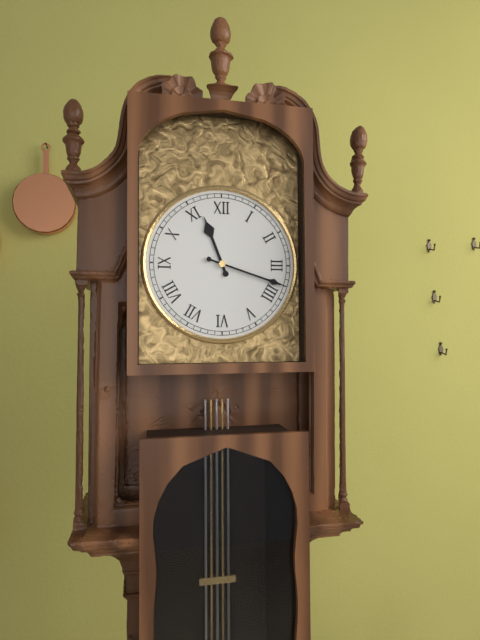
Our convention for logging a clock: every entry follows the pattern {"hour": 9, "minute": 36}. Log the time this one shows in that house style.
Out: {"hour": 11, "minute": 18}
